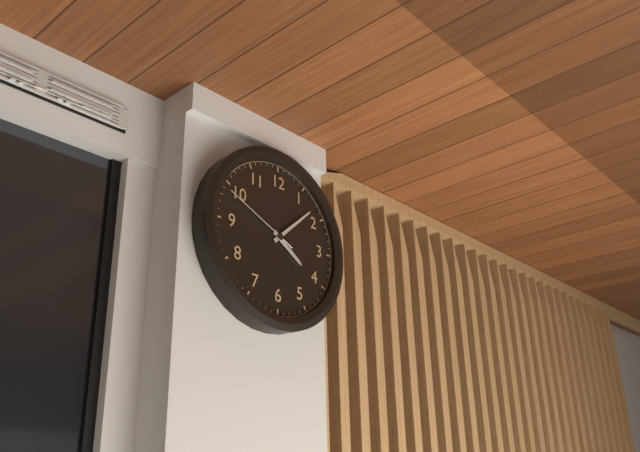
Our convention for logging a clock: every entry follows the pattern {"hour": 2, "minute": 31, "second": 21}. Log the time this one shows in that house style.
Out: {"hour": 4, "minute": 8, "second": 49}
